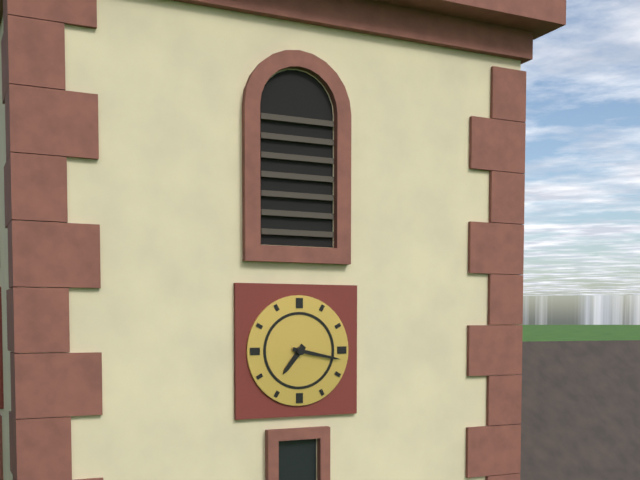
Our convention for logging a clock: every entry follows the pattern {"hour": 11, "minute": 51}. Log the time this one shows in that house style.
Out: {"hour": 7, "minute": 17}
